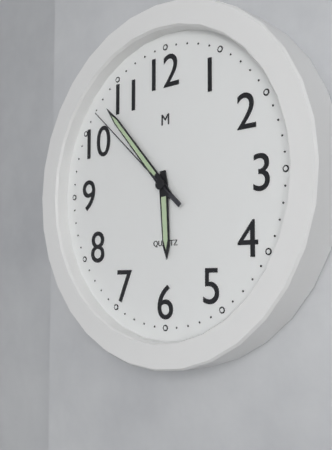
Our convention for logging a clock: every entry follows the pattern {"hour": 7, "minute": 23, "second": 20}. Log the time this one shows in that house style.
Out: {"hour": 5, "minute": 53, "second": 52}
